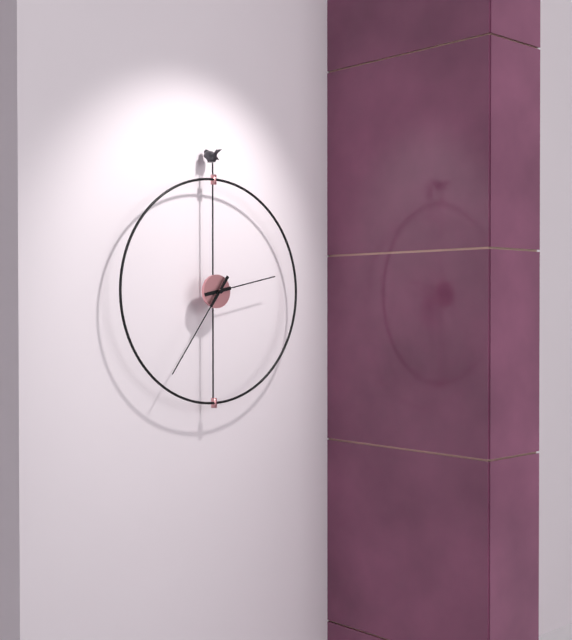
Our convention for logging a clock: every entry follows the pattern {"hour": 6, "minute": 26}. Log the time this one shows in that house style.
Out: {"hour": 2, "minute": 36}
